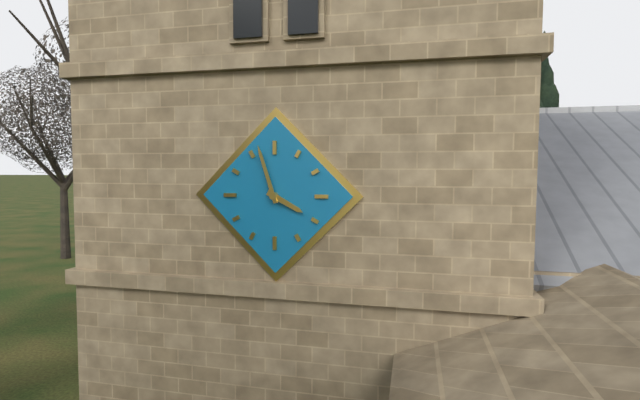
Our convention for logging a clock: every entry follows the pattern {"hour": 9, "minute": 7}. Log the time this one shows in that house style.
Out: {"hour": 3, "minute": 57}
